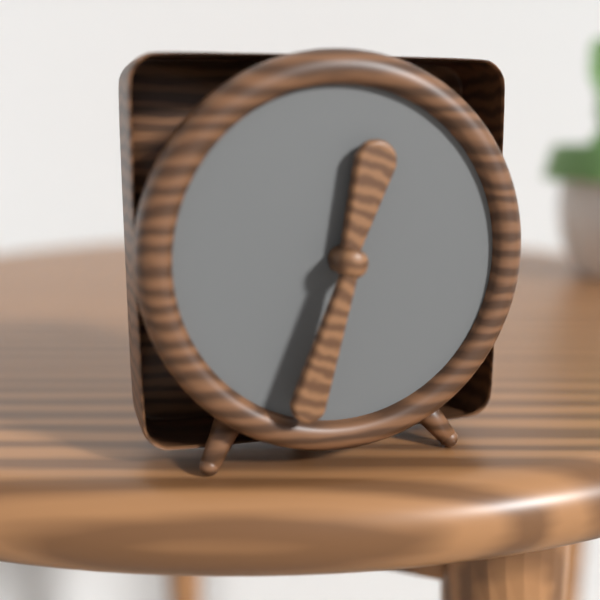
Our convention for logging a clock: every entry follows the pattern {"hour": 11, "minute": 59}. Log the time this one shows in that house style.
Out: {"hour": 12, "minute": 33}
